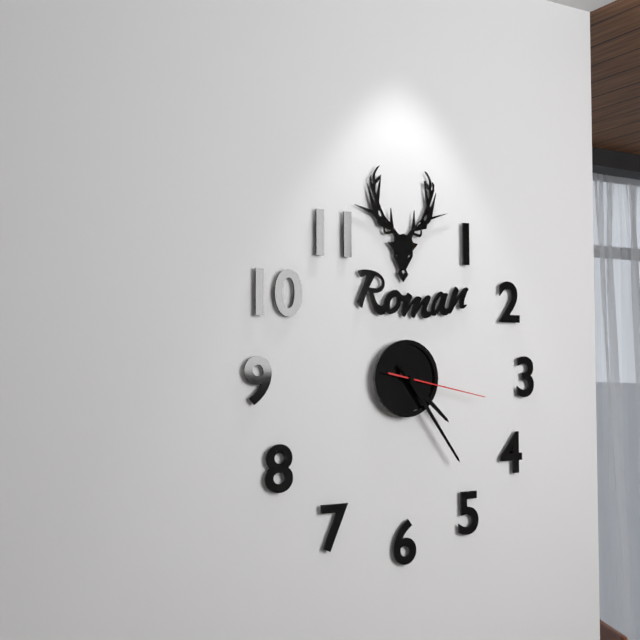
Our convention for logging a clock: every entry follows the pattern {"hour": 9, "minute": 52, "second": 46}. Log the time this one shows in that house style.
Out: {"hour": 4, "minute": 24, "second": 17}
